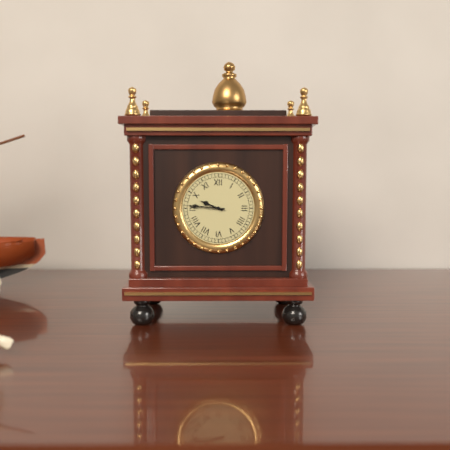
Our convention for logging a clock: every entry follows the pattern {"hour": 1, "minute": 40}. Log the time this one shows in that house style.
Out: {"hour": 9, "minute": 46}
